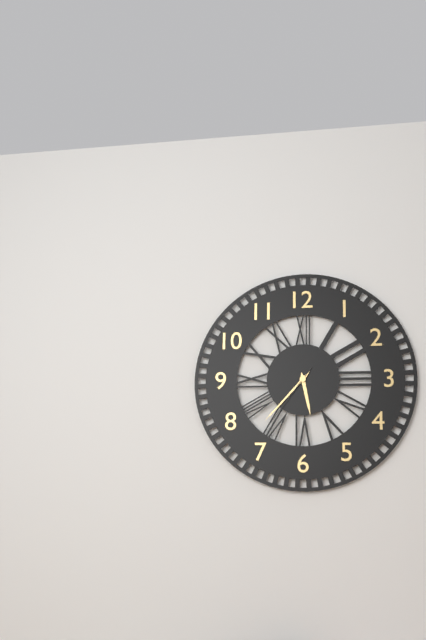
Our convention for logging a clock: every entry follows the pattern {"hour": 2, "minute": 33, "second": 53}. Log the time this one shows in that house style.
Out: {"hour": 5, "minute": 37, "second": 36}
